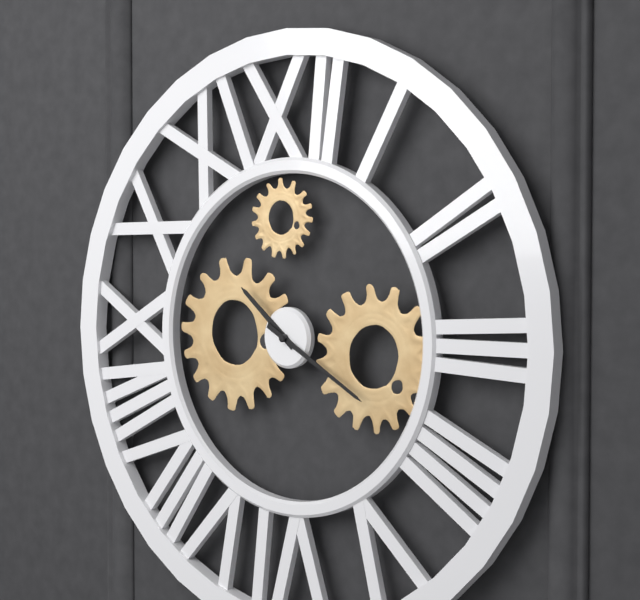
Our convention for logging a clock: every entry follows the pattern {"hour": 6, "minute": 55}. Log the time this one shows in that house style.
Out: {"hour": 10, "minute": 20}
